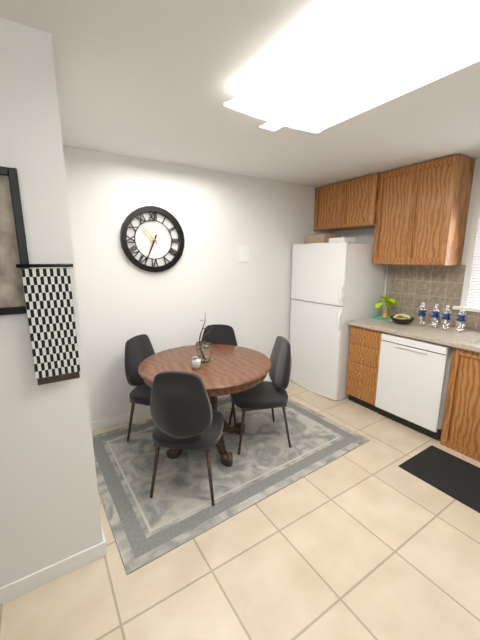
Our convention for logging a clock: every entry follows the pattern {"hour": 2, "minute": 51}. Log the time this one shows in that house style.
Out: {"hour": 10, "minute": 34}
